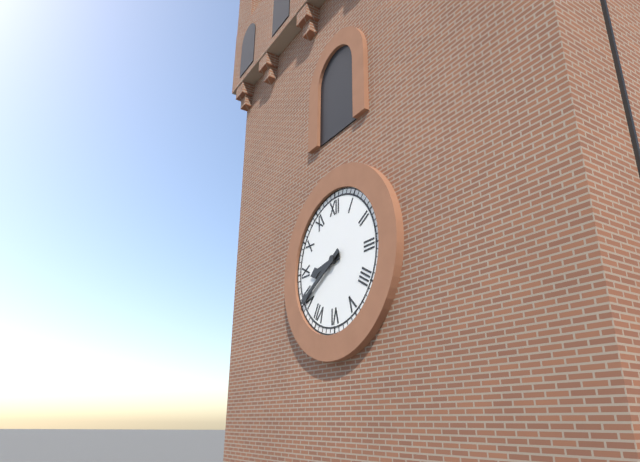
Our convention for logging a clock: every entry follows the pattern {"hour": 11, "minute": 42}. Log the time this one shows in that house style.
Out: {"hour": 8, "minute": 40}
